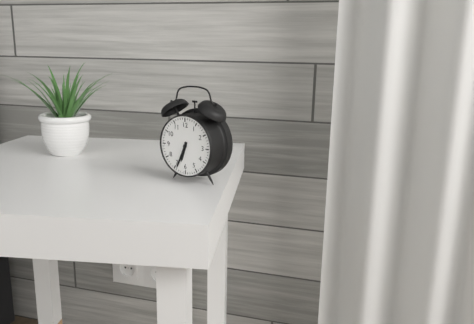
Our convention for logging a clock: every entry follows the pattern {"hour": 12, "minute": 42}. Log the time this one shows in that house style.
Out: {"hour": 6, "minute": 34}
